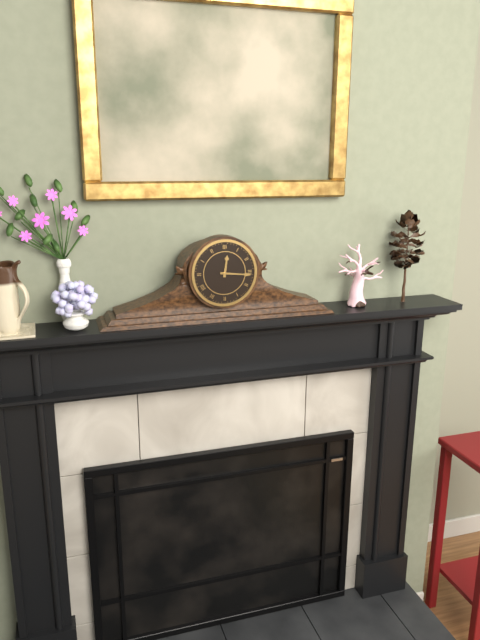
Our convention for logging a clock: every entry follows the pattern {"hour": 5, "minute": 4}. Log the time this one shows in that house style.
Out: {"hour": 12, "minute": 16}
